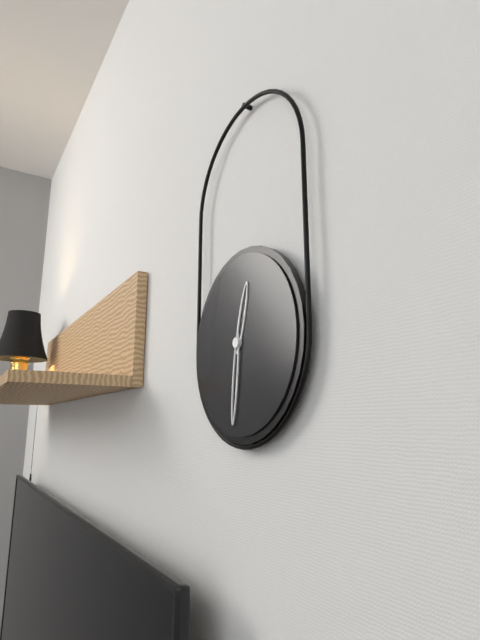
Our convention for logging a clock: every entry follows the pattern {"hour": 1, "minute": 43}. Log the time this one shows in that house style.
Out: {"hour": 12, "minute": 31}
